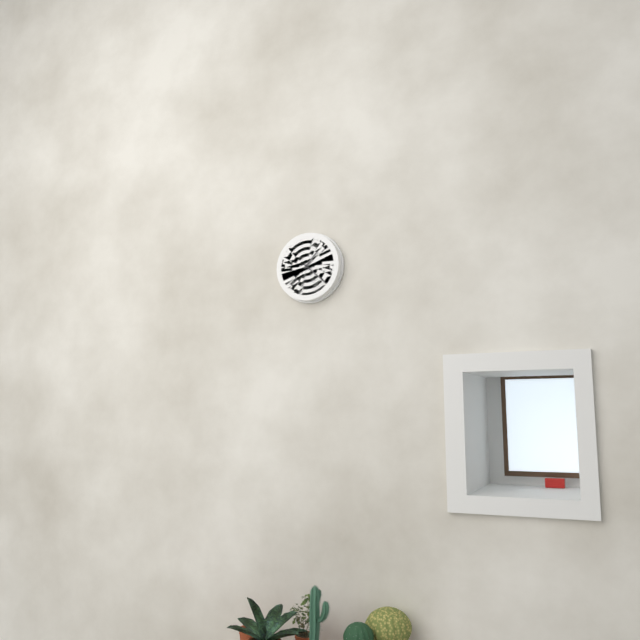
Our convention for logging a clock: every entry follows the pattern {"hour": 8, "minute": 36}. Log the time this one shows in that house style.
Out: {"hour": 1, "minute": 22}
